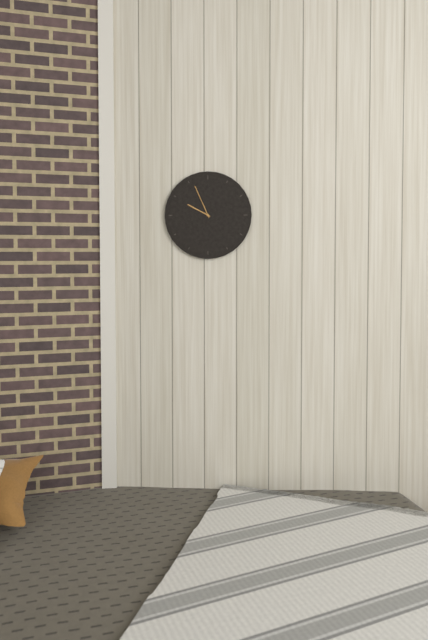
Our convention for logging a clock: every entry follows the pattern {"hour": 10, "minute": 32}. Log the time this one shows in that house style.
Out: {"hour": 9, "minute": 56}
